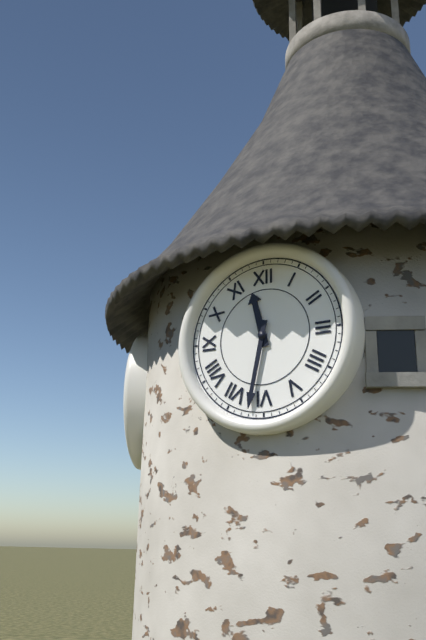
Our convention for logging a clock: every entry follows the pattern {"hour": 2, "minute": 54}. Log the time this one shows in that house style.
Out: {"hour": 11, "minute": 32}
